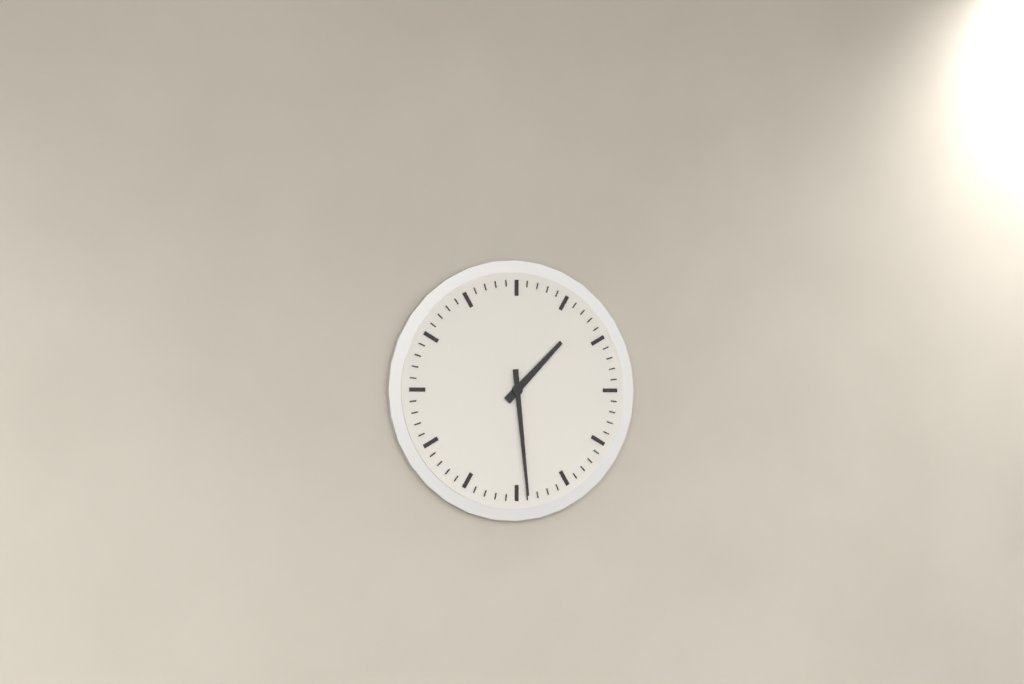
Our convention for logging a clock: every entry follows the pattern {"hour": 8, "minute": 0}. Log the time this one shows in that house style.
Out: {"hour": 1, "minute": 29}
